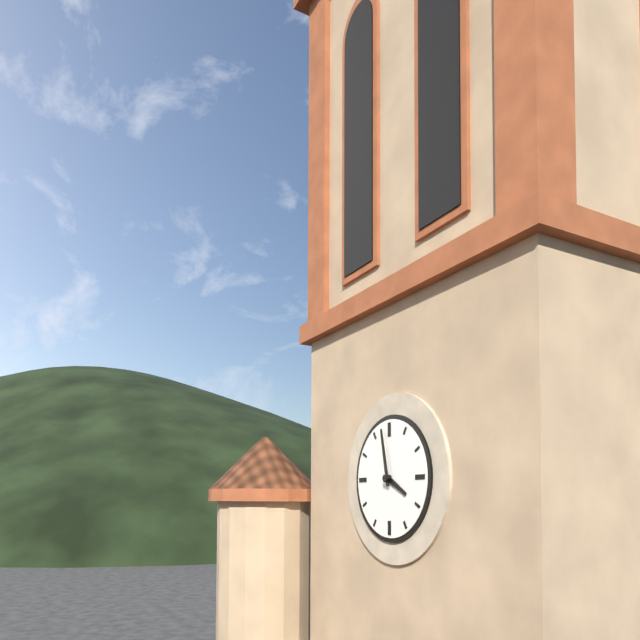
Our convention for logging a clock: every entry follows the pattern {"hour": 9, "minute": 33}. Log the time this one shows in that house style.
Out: {"hour": 3, "minute": 58}
